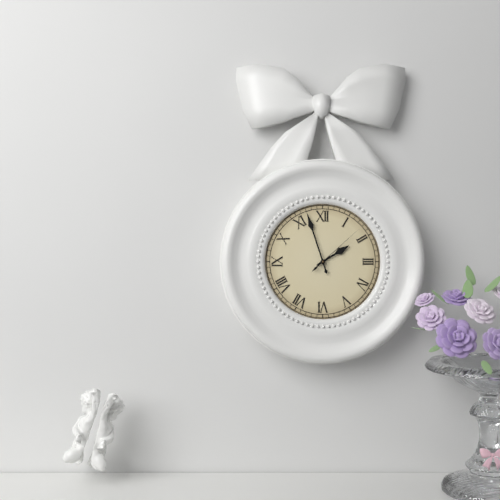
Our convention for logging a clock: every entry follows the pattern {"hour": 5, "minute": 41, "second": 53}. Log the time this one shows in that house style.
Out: {"hour": 1, "minute": 57, "second": 8}
